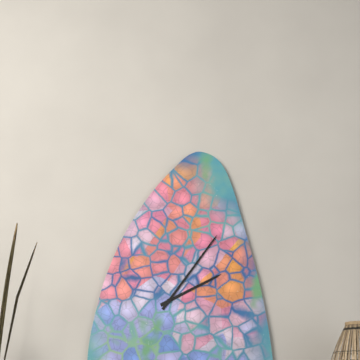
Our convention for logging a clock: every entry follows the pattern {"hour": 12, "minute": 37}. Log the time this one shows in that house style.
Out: {"hour": 2, "minute": 6}
